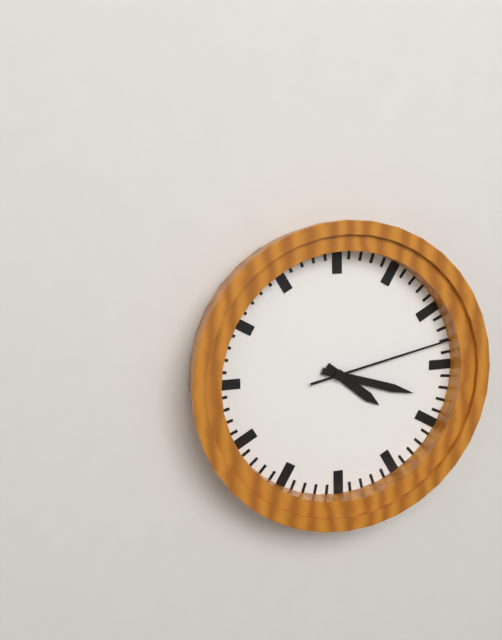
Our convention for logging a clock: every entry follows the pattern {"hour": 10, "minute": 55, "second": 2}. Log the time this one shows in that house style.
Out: {"hour": 4, "minute": 18, "second": 13}
